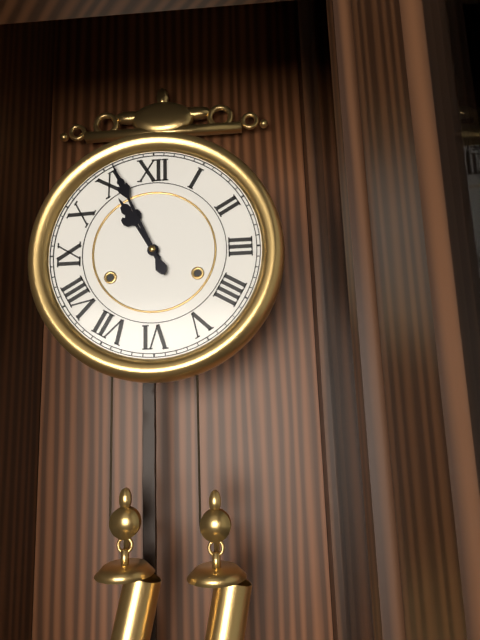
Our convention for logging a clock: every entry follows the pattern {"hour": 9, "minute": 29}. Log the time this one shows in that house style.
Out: {"hour": 10, "minute": 56}
